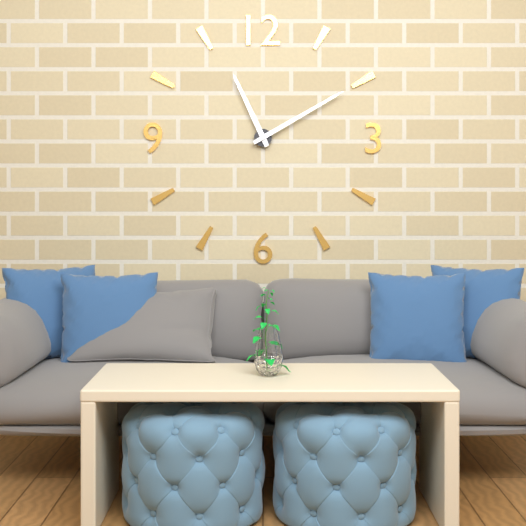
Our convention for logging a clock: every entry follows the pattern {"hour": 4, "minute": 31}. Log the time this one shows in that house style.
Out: {"hour": 11, "minute": 10}
